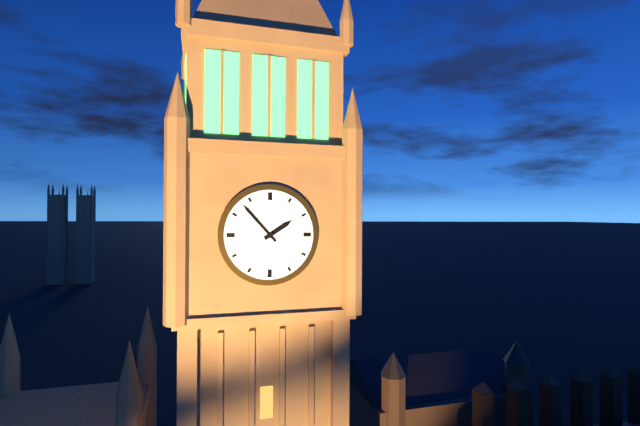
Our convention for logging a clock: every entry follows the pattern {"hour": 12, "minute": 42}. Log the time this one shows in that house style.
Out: {"hour": 1, "minute": 53}
